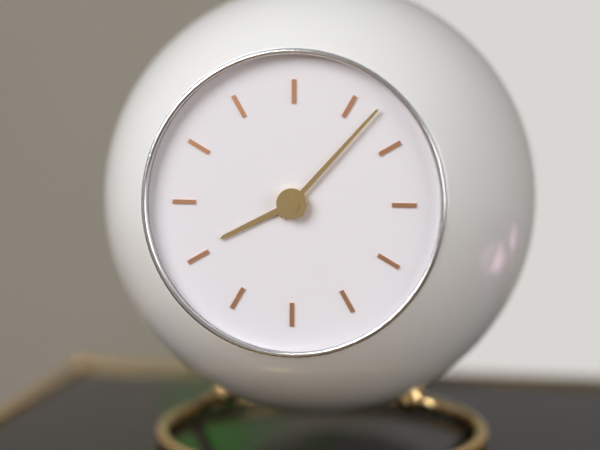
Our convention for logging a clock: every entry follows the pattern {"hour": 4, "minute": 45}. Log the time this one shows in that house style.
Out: {"hour": 8, "minute": 7}
